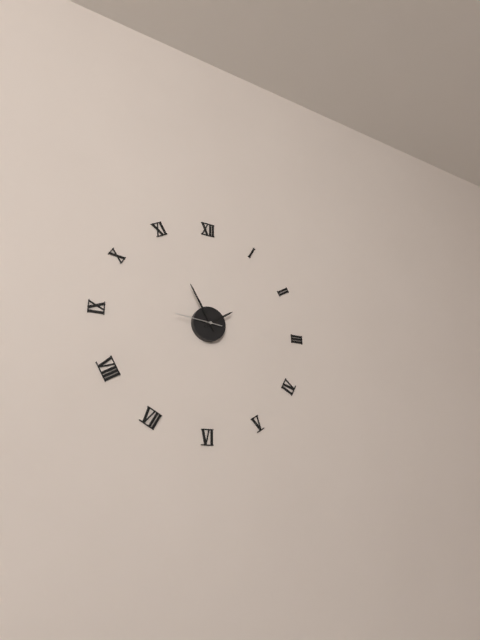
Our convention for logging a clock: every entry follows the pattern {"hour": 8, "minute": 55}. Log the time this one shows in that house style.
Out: {"hour": 1, "minute": 55}
